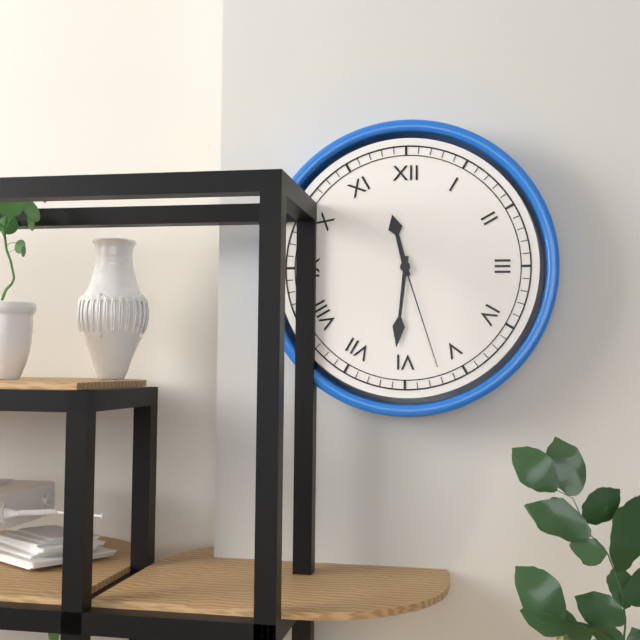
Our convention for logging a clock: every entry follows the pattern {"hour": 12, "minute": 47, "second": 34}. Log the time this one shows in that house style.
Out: {"hour": 11, "minute": 31, "second": 27}
